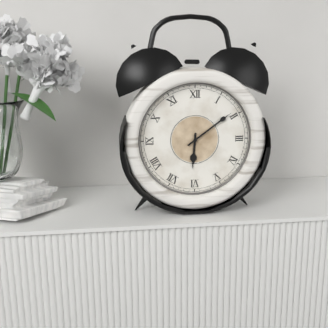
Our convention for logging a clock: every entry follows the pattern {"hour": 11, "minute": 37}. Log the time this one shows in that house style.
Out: {"hour": 6, "minute": 9}
